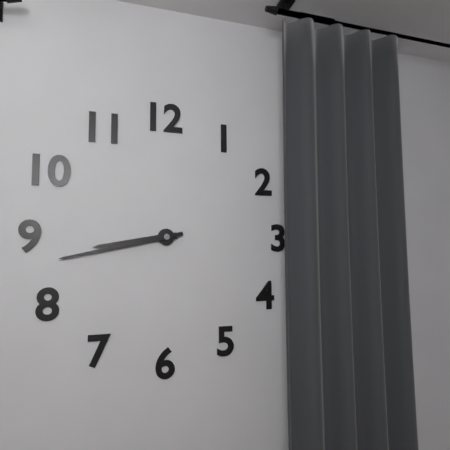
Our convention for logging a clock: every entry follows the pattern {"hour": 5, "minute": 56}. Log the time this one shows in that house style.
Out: {"hour": 8, "minute": 43}
